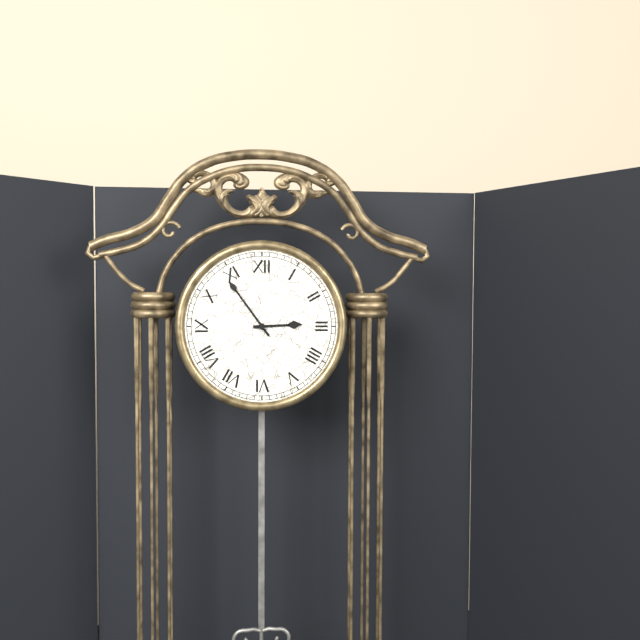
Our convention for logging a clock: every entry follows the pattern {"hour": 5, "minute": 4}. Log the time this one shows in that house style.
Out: {"hour": 2, "minute": 54}
